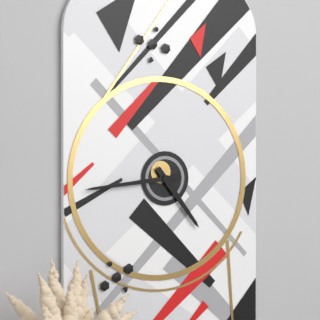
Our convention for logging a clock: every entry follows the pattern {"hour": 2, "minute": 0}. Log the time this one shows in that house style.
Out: {"hour": 4, "minute": 44}
